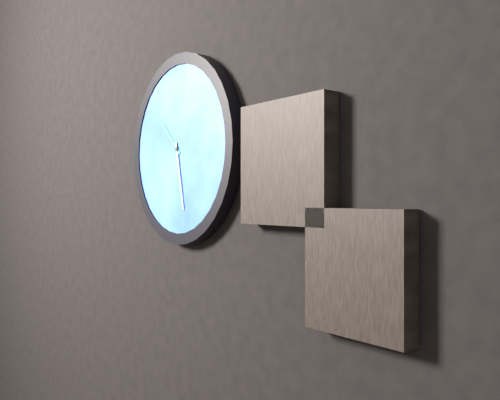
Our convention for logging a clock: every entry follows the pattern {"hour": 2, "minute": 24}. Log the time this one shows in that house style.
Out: {"hour": 10, "minute": 28}
